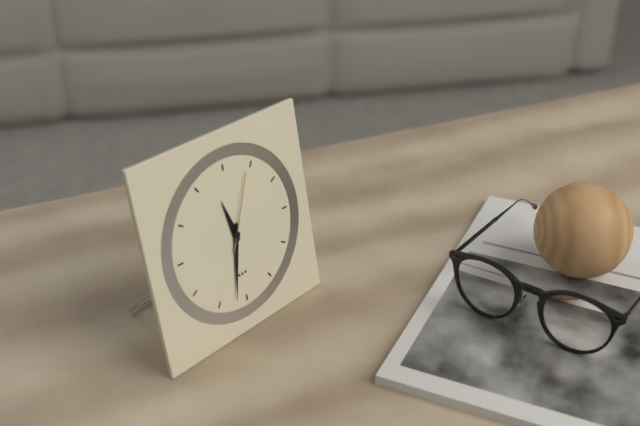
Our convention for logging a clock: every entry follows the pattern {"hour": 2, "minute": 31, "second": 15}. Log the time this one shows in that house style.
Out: {"hour": 11, "minute": 32, "second": 4}
